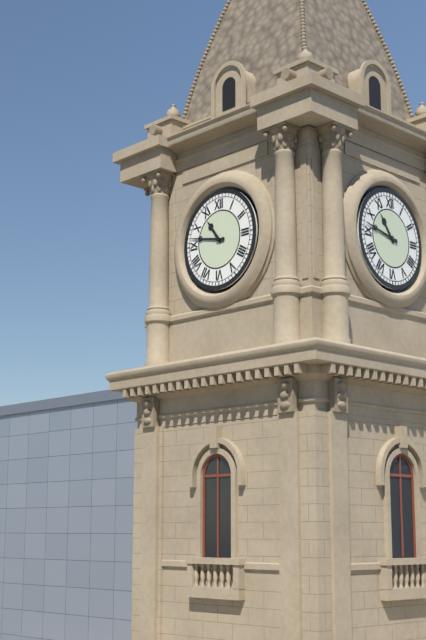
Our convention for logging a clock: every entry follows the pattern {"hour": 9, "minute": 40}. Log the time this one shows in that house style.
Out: {"hour": 10, "minute": 47}
